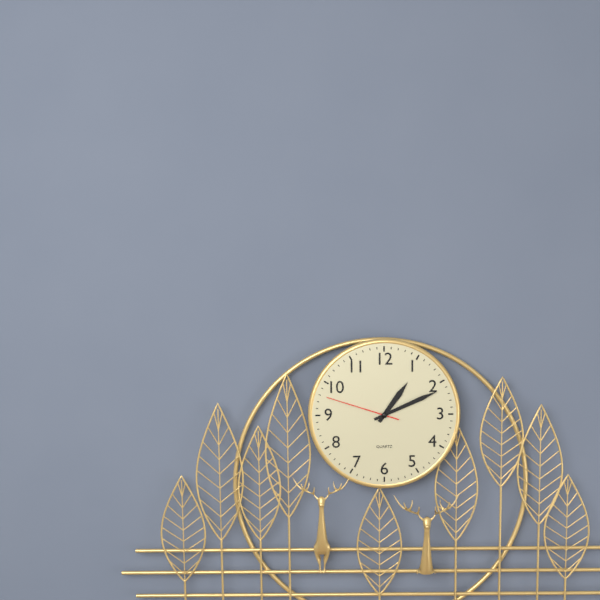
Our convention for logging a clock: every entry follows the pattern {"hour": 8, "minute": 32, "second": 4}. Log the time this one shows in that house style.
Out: {"hour": 1, "minute": 11, "second": 48}
